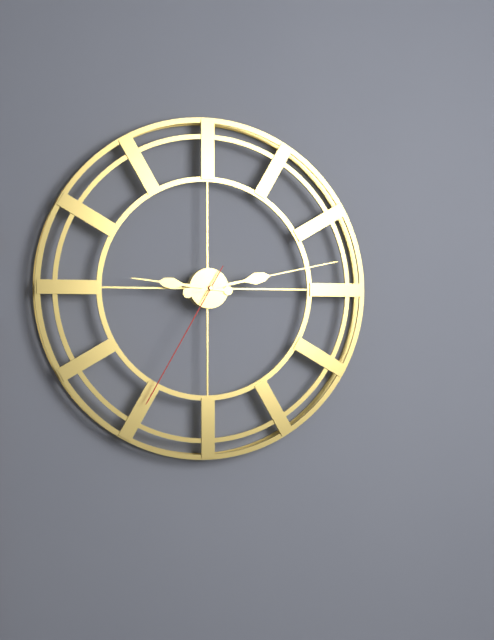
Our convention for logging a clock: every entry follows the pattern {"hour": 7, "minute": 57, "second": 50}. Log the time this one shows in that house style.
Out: {"hour": 9, "minute": 13, "second": 35}
